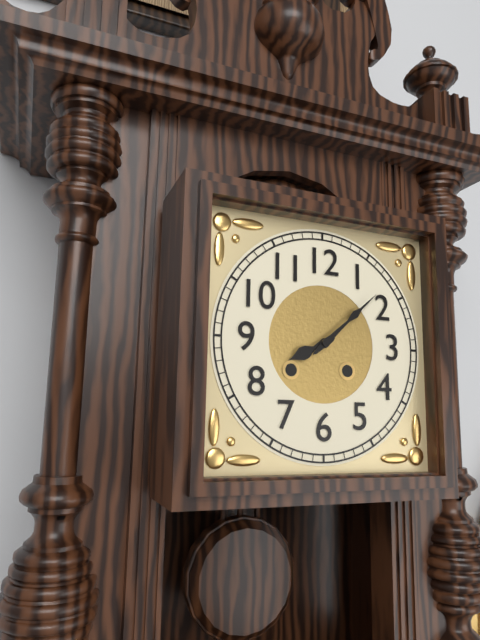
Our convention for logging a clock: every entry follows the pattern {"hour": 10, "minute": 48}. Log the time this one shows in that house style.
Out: {"hour": 8, "minute": 8}
